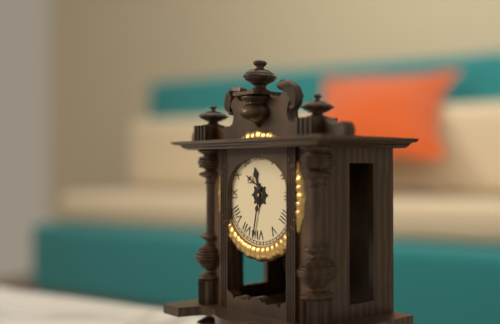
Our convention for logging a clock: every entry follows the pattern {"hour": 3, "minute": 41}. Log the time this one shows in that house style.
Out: {"hour": 11, "minute": 32}
